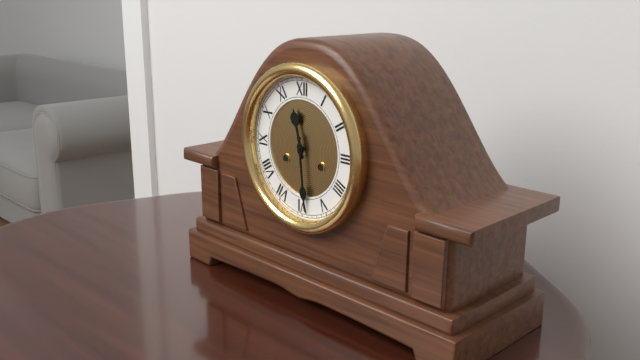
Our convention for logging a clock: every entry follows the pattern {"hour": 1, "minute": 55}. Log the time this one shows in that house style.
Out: {"hour": 11, "minute": 29}
